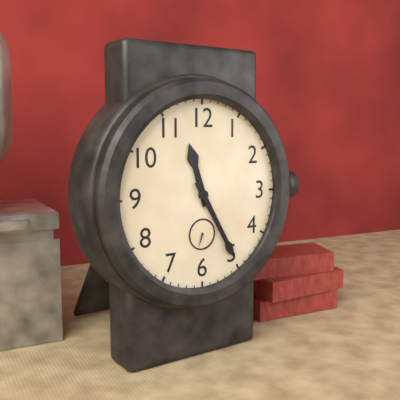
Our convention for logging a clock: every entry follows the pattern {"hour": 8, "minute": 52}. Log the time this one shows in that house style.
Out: {"hour": 11, "minute": 25}
